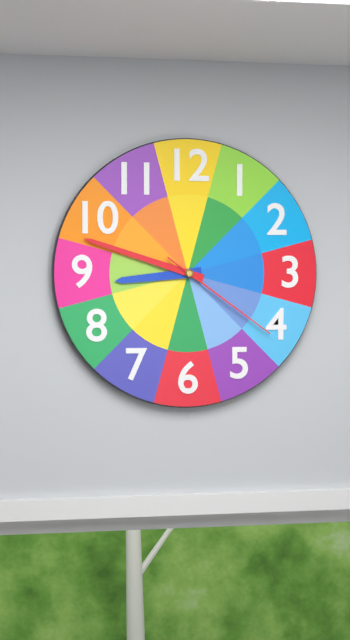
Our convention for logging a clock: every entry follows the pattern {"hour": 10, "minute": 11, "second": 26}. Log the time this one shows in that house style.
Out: {"hour": 8, "minute": 48, "second": 21}
